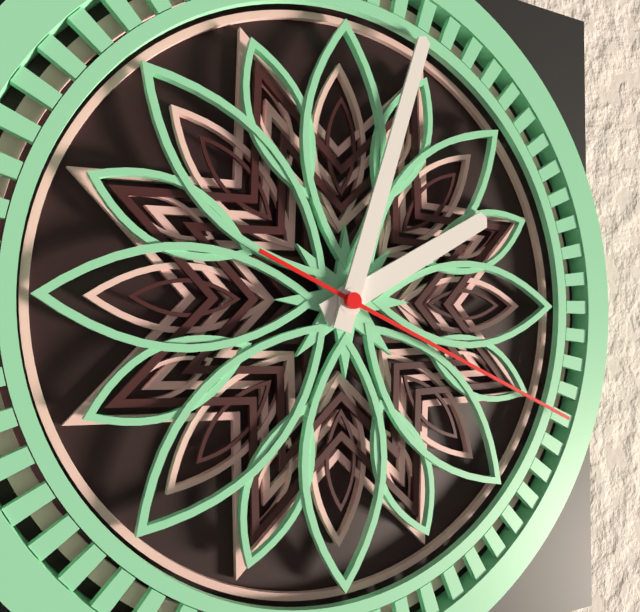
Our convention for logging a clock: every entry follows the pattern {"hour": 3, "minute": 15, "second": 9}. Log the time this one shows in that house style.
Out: {"hour": 2, "minute": 3, "second": 19}
